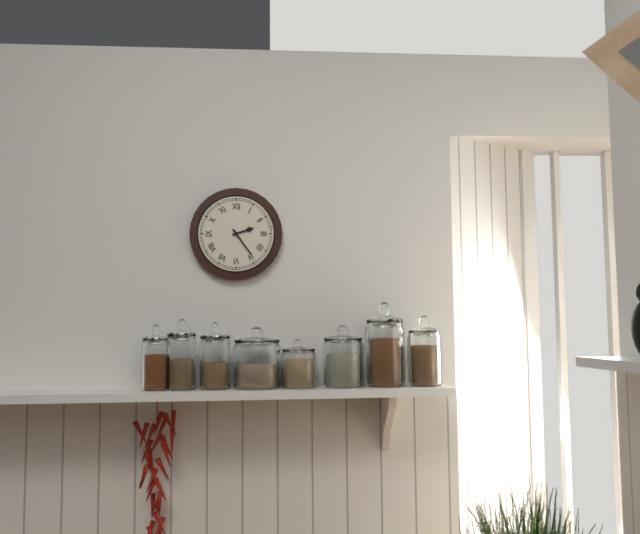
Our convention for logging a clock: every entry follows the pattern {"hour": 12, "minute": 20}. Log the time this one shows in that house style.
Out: {"hour": 2, "minute": 24}
